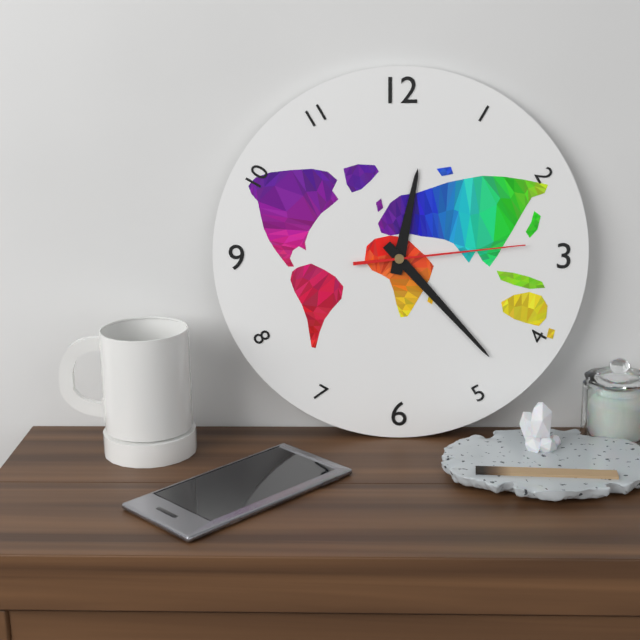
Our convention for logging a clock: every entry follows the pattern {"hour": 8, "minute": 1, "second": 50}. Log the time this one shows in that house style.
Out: {"hour": 12, "minute": 23, "second": 14}
